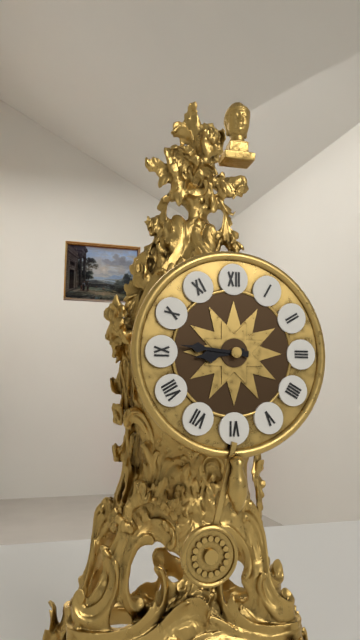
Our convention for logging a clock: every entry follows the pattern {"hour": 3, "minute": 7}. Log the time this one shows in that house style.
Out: {"hour": 8, "minute": 46}
